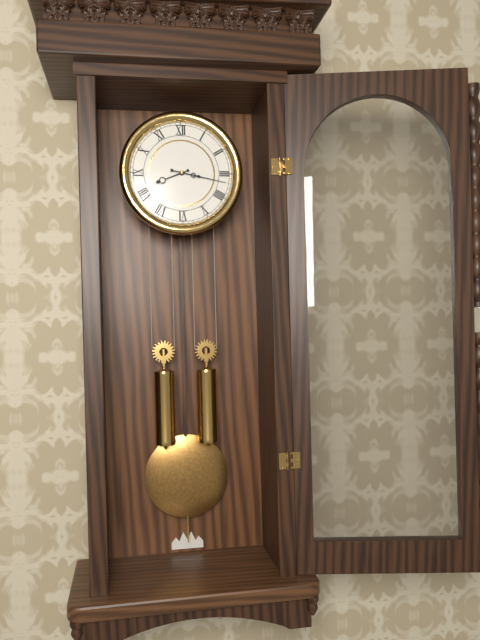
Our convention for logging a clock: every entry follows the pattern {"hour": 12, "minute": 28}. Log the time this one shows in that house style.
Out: {"hour": 8, "minute": 17}
